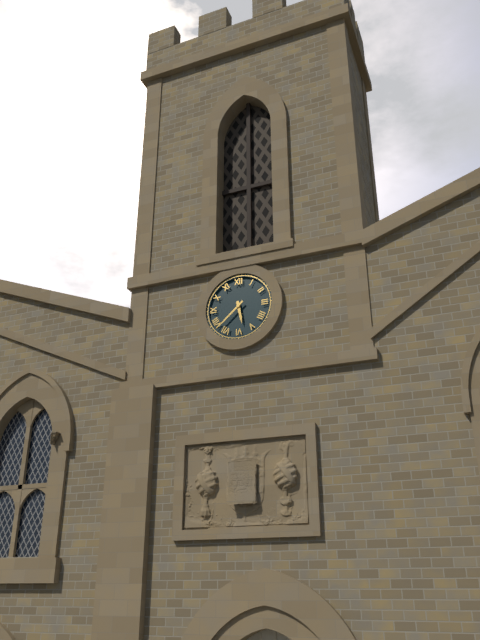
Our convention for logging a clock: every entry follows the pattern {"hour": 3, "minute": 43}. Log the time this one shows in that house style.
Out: {"hour": 5, "minute": 38}
